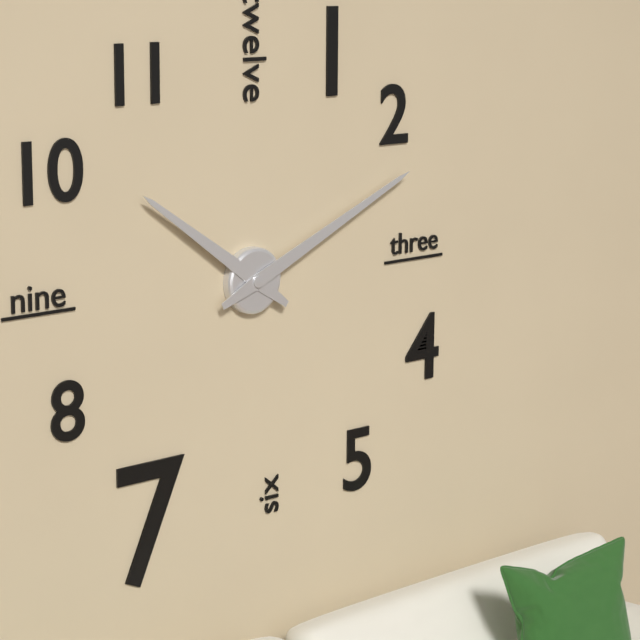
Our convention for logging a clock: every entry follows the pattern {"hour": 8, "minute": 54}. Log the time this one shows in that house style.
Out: {"hour": 10, "minute": 11}
